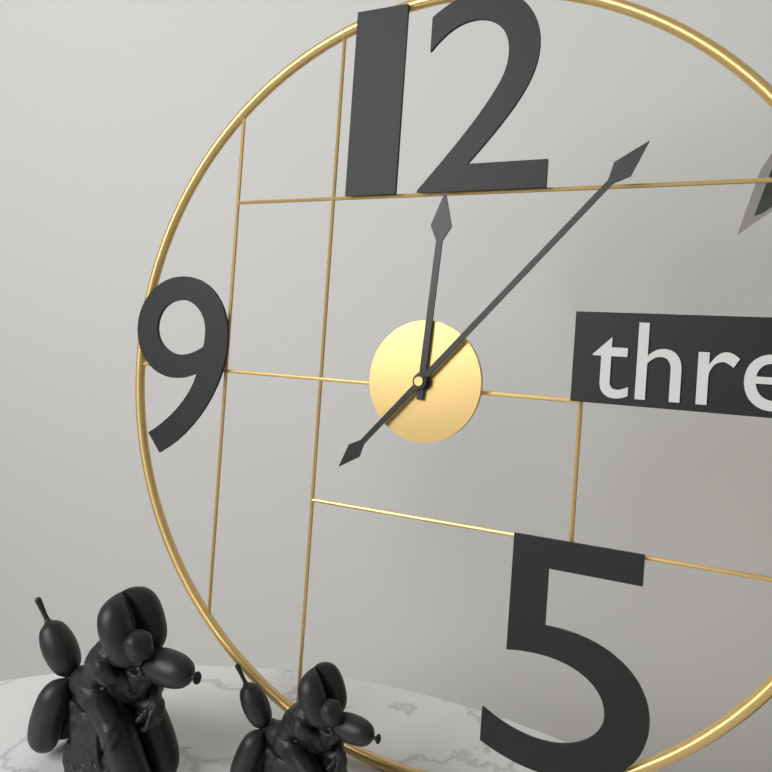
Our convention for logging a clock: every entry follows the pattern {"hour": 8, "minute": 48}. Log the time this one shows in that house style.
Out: {"hour": 12, "minute": 7}
